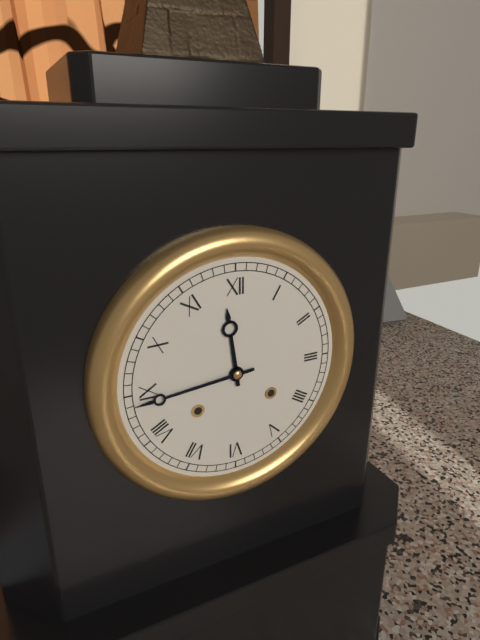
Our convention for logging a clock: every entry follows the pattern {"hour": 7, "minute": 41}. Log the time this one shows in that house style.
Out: {"hour": 11, "minute": 44}
